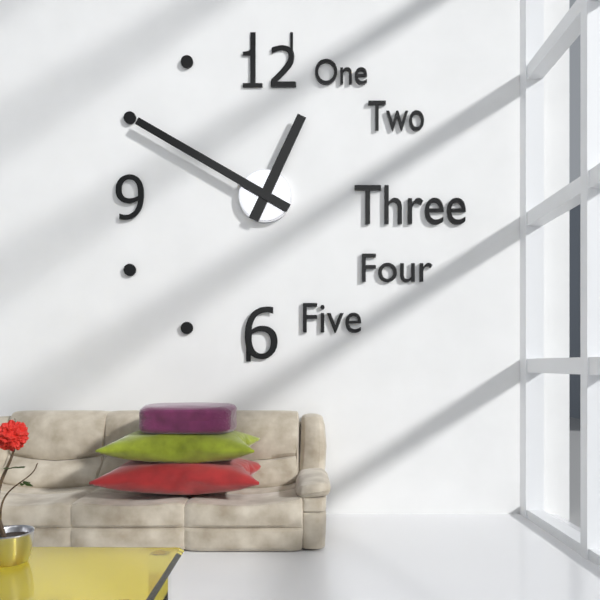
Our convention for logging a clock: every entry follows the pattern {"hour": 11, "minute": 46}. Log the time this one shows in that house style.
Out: {"hour": 12, "minute": 50}
